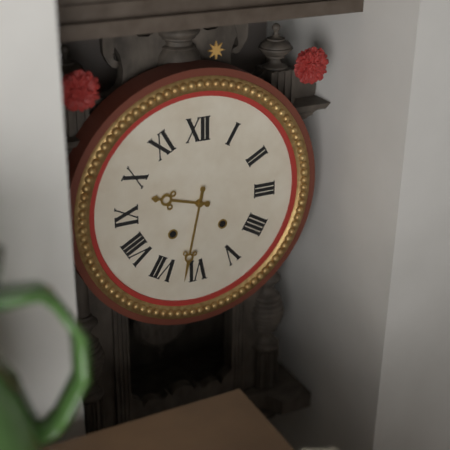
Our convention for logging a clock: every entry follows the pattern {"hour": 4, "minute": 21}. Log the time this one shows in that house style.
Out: {"hour": 9, "minute": 32}
